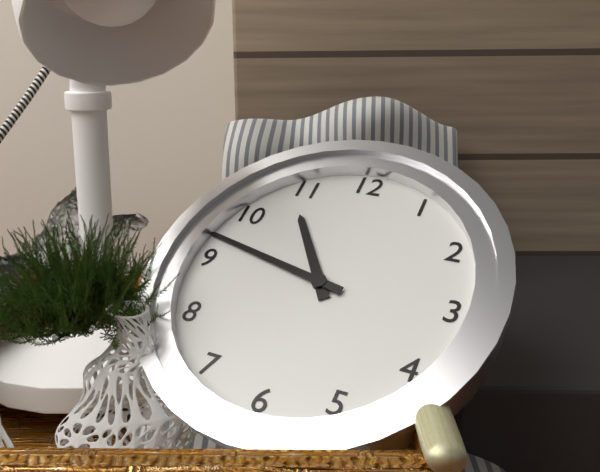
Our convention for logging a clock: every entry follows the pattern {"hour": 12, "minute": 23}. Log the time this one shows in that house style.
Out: {"hour": 10, "minute": 47}
